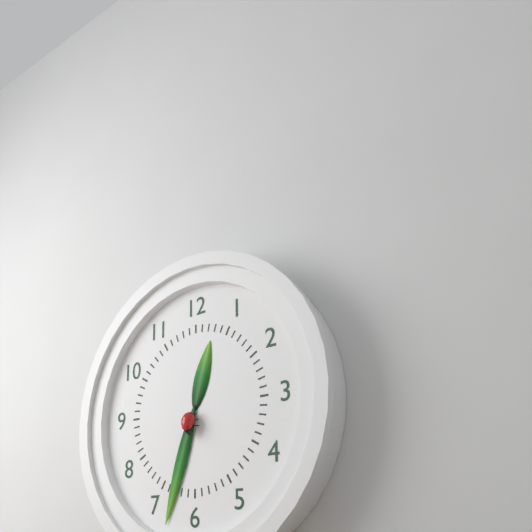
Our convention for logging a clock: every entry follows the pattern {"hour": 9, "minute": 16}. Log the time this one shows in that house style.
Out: {"hour": 12, "minute": 33}
